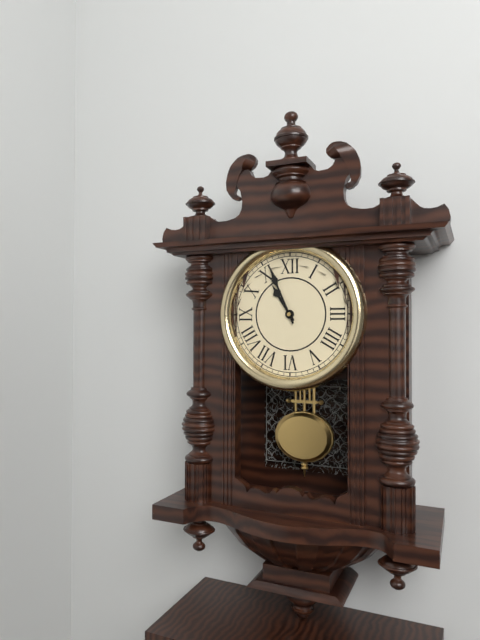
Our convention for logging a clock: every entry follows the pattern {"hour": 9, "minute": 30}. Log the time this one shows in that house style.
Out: {"hour": 10, "minute": 56}
